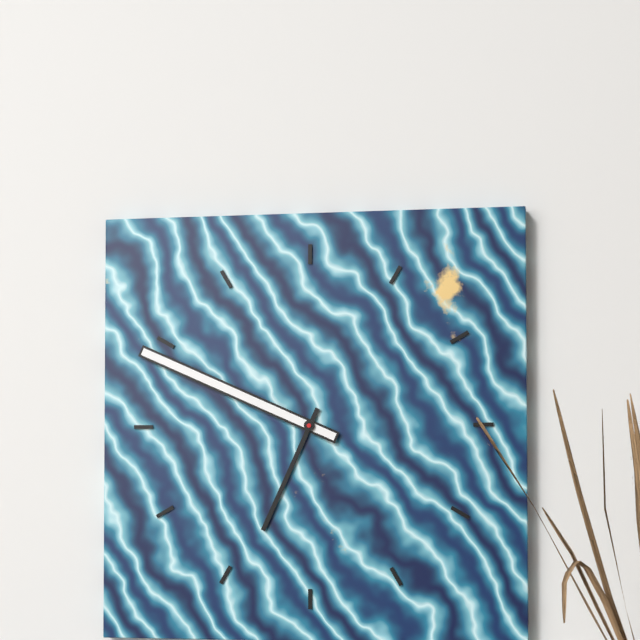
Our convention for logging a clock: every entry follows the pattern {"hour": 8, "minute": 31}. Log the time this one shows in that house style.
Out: {"hour": 6, "minute": 49}
